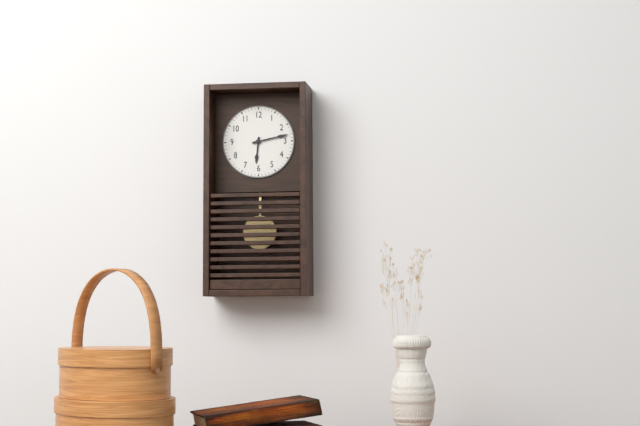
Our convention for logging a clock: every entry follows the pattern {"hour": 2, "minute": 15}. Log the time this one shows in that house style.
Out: {"hour": 6, "minute": 13}
